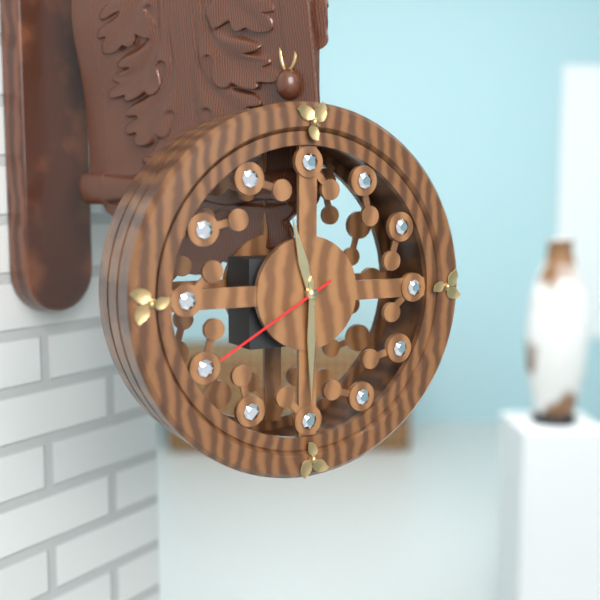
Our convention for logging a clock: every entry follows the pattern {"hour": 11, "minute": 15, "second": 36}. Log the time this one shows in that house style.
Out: {"hour": 11, "minute": 30, "second": 40}
